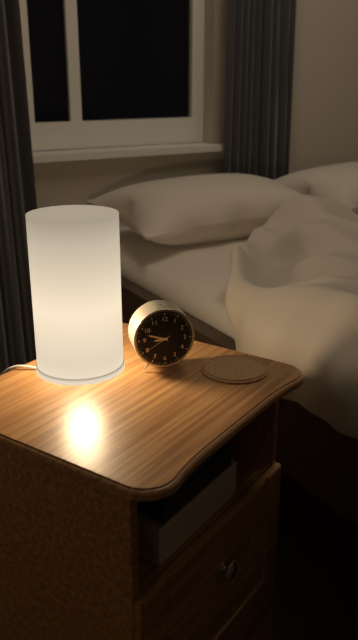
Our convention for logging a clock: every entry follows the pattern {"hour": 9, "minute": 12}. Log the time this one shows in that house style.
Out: {"hour": 8, "minute": 48}
